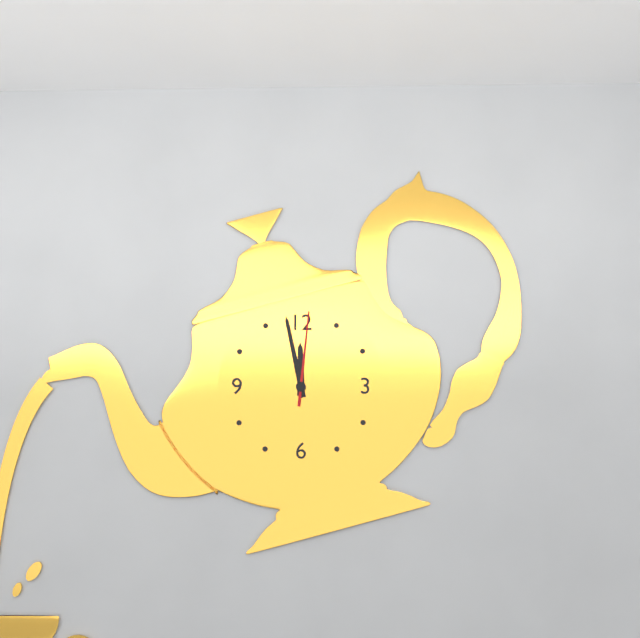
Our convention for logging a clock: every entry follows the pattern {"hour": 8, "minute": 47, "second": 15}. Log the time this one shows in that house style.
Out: {"hour": 11, "minute": 58, "second": 1}
